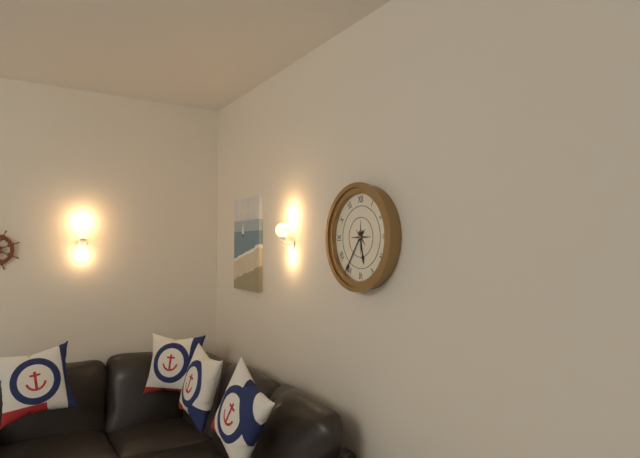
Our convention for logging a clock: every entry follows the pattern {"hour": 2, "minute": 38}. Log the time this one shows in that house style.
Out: {"hour": 5, "minute": 36}
